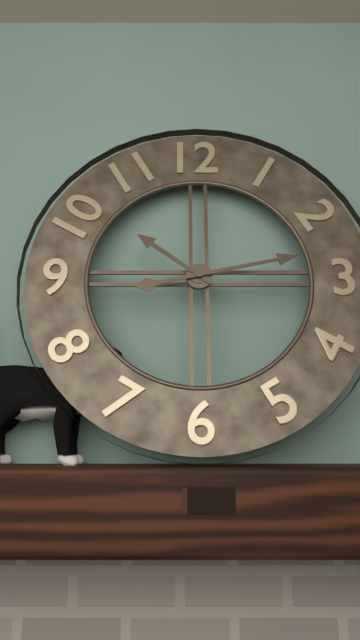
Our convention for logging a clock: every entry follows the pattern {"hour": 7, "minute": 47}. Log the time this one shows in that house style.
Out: {"hour": 10, "minute": 13}
